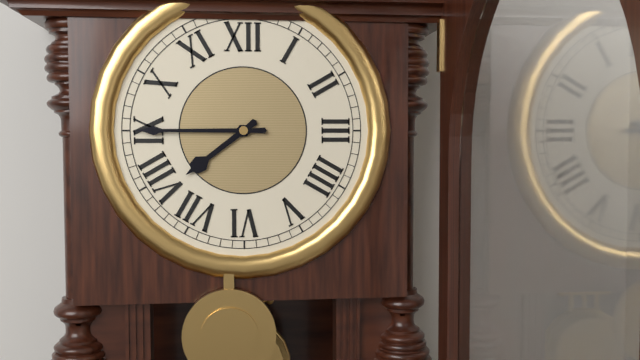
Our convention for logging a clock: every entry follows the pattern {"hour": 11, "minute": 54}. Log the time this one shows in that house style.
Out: {"hour": 7, "minute": 45}
